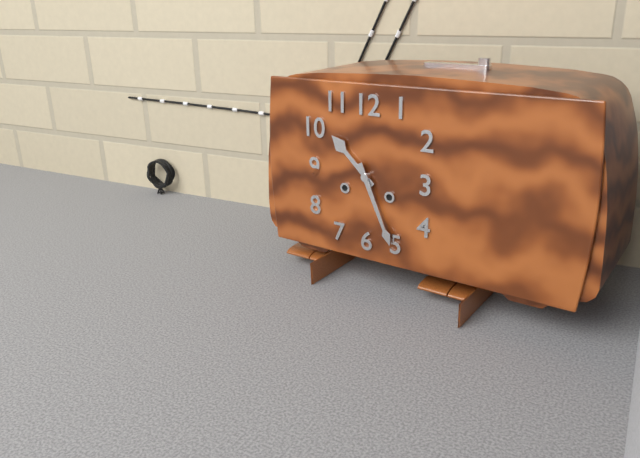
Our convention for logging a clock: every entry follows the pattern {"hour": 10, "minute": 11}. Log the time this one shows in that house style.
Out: {"hour": 10, "minute": 26}
